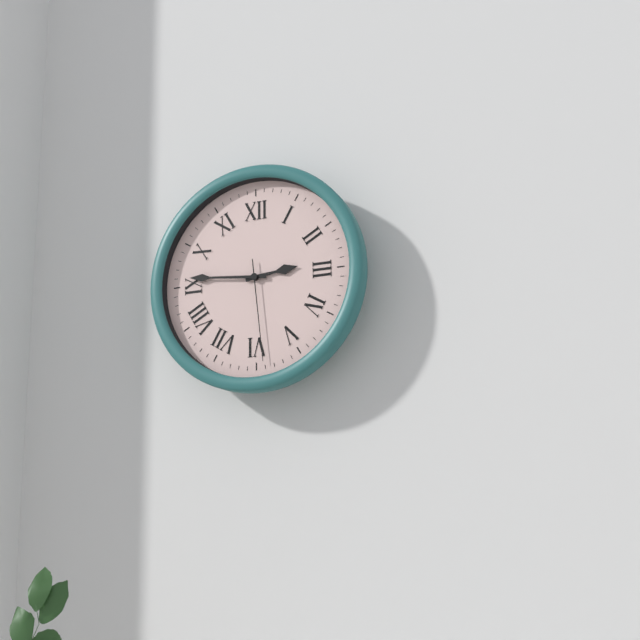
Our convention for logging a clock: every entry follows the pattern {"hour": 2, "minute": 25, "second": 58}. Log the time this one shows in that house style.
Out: {"hour": 2, "minute": 46, "second": 29}
